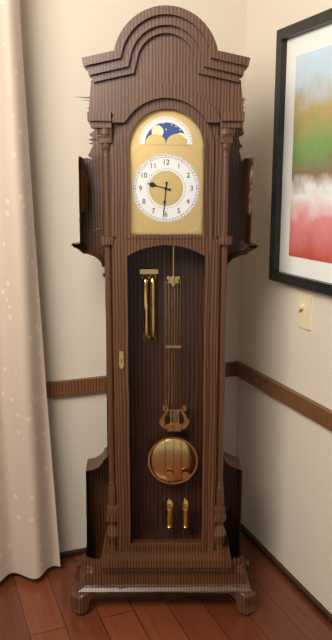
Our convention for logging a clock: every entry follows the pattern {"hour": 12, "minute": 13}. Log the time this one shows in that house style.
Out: {"hour": 9, "minute": 31}
